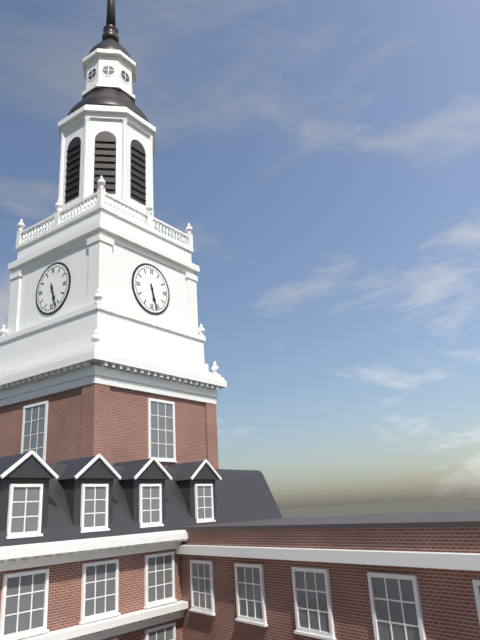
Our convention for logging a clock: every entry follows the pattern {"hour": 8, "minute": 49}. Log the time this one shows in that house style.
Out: {"hour": 5, "minute": 27}
